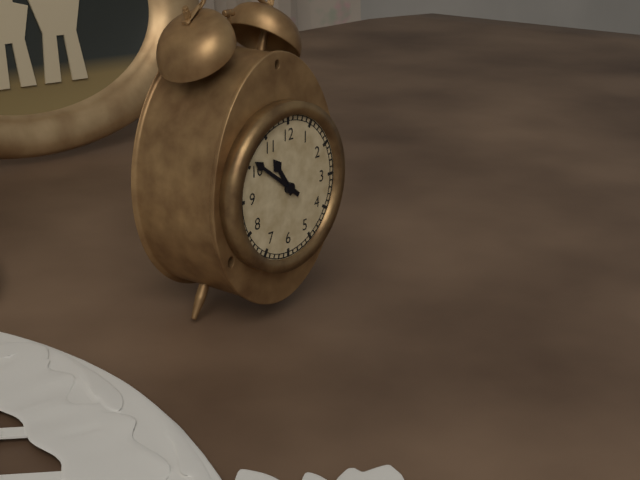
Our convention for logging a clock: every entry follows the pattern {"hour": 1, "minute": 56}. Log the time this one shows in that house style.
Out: {"hour": 10, "minute": 51}
